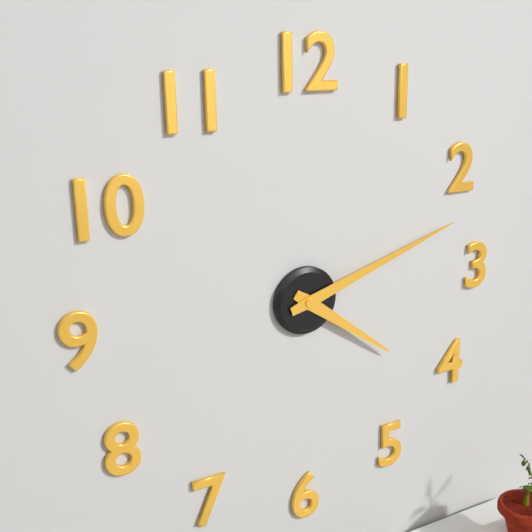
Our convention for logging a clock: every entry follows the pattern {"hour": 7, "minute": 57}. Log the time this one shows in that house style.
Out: {"hour": 4, "minute": 12}
